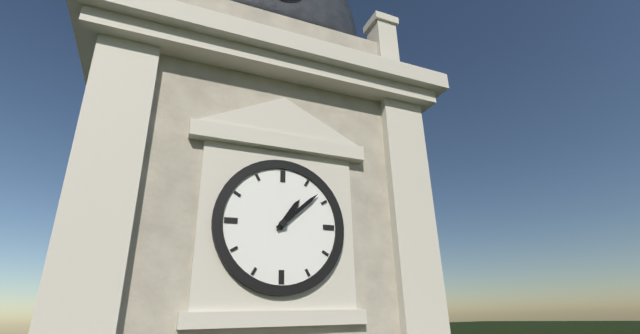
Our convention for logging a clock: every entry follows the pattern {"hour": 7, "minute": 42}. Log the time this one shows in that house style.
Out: {"hour": 1, "minute": 8}
